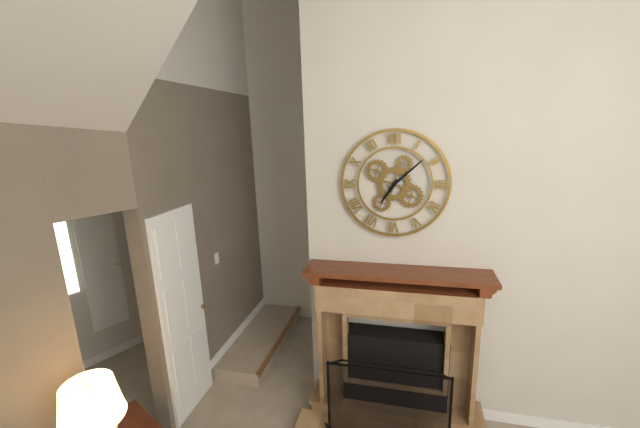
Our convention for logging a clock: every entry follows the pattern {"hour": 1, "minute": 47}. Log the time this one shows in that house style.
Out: {"hour": 7, "minute": 8}
